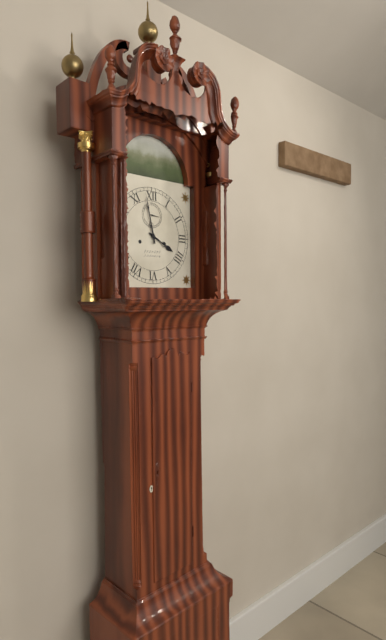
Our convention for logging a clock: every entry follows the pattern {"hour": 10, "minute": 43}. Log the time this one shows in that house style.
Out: {"hour": 3, "minute": 58}
